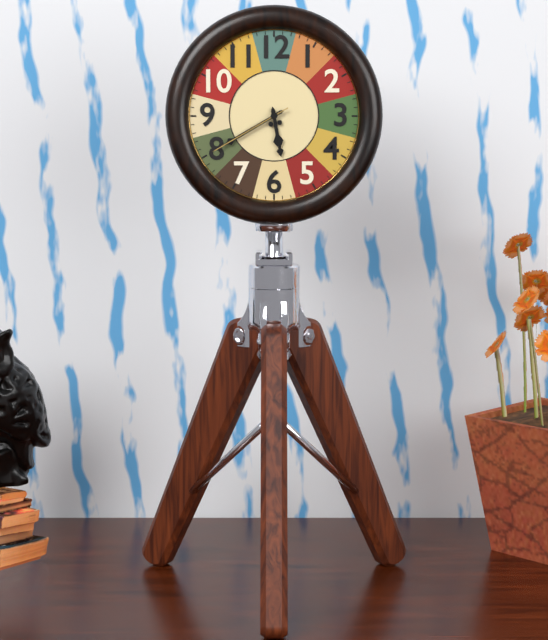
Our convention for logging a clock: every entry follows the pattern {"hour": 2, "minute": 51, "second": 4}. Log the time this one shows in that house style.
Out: {"hour": 5, "minute": 40, "second": 40}
